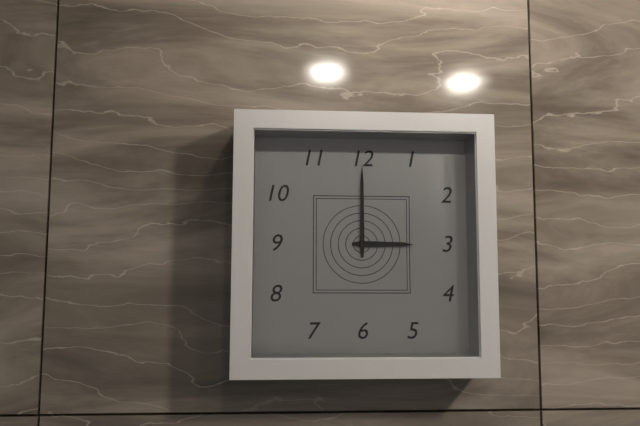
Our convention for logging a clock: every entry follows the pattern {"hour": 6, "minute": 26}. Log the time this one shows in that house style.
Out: {"hour": 3, "minute": 0}
